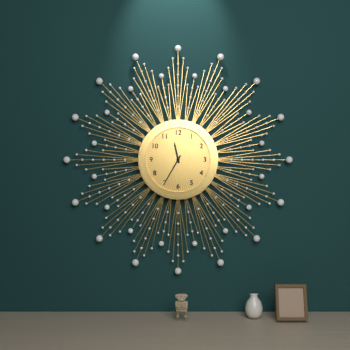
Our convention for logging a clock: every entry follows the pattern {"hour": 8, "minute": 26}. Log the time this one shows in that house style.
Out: {"hour": 11, "minute": 35}
